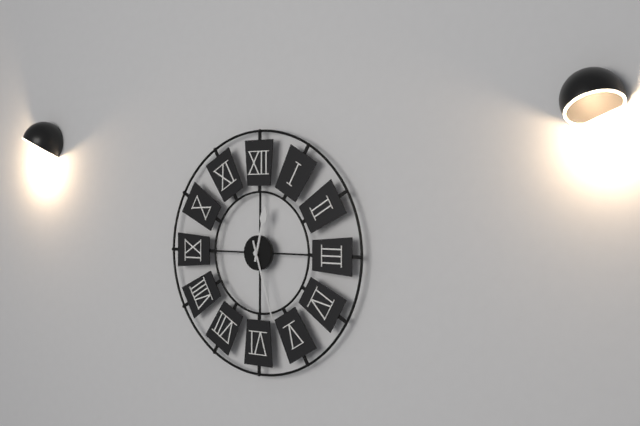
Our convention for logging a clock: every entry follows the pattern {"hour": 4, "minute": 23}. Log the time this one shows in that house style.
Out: {"hour": 12, "minute": 27}
